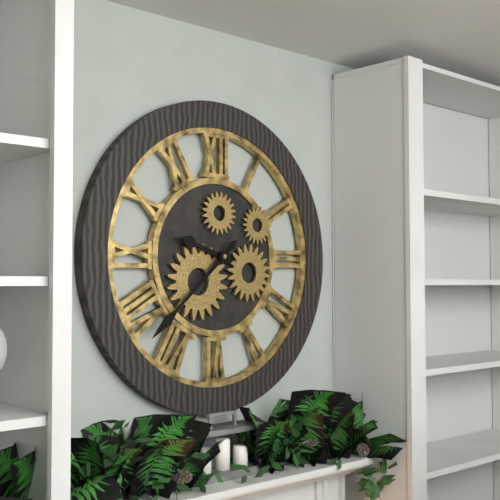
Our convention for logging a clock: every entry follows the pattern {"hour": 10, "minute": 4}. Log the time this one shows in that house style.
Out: {"hour": 9, "minute": 38}
